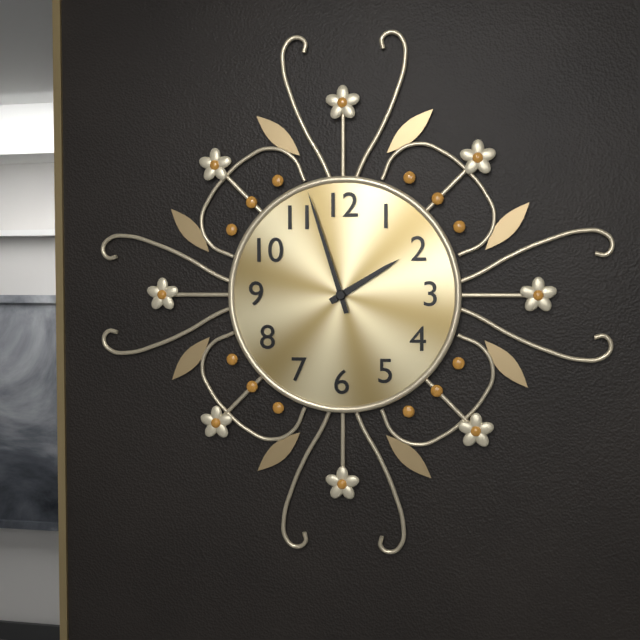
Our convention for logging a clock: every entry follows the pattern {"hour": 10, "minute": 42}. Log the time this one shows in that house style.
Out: {"hour": 1, "minute": 57}
